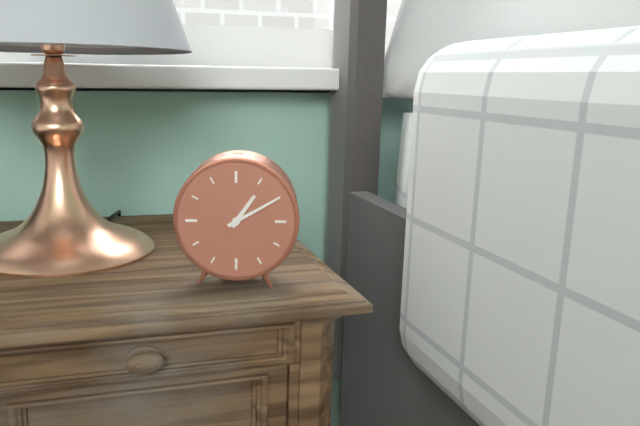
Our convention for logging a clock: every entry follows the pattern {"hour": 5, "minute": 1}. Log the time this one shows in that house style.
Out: {"hour": 1, "minute": 10}
